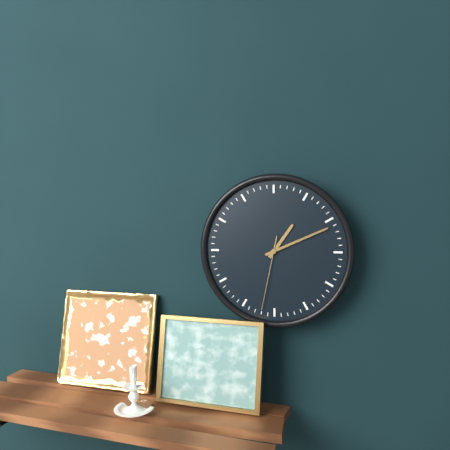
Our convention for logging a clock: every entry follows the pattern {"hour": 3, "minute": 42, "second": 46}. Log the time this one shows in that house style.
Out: {"hour": 1, "minute": 11, "second": 32}
